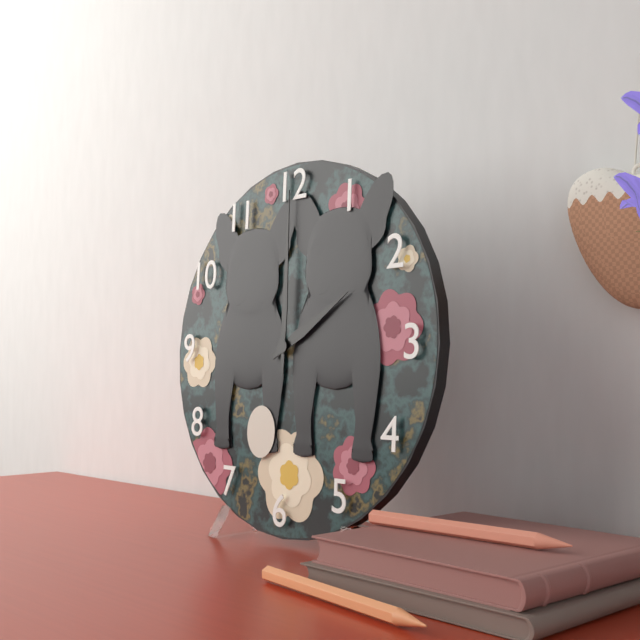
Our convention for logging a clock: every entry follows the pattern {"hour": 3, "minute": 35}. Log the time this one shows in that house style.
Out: {"hour": 2, "minute": 0}
